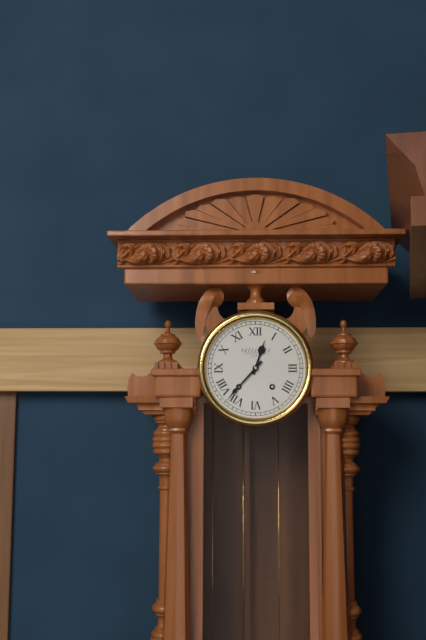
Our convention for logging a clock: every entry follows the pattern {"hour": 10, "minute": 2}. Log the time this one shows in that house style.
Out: {"hour": 12, "minute": 37}
